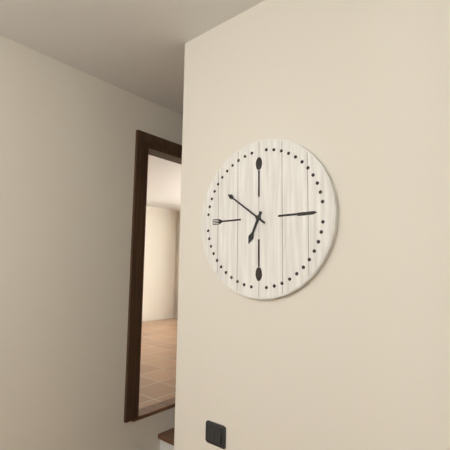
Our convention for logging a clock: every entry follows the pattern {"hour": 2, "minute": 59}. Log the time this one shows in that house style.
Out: {"hour": 6, "minute": 51}
